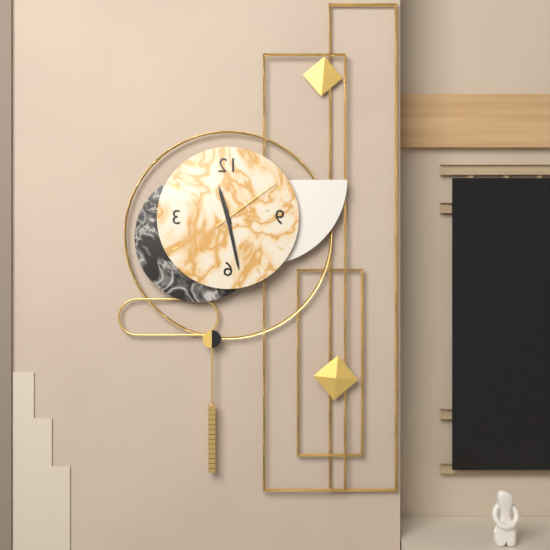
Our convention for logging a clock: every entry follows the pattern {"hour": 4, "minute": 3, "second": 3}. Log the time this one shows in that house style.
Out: {"hour": 11, "minute": 28, "second": 9}
